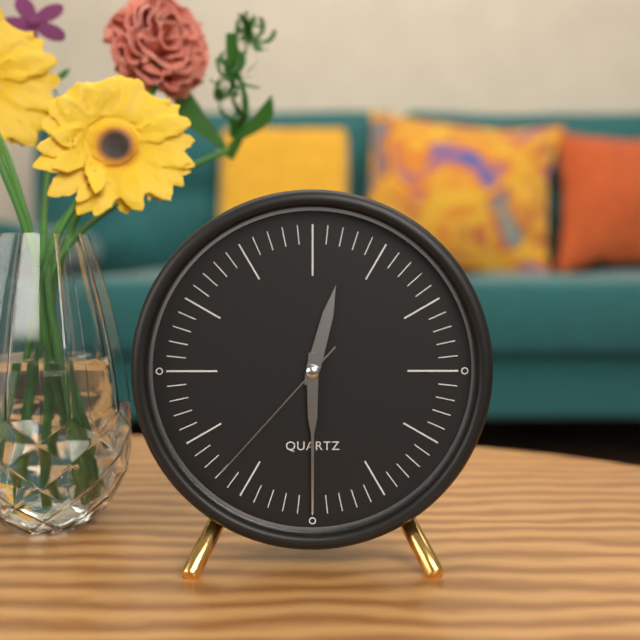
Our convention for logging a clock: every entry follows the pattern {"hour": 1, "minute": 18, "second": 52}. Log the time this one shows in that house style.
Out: {"hour": 12, "minute": 30, "second": 37}
